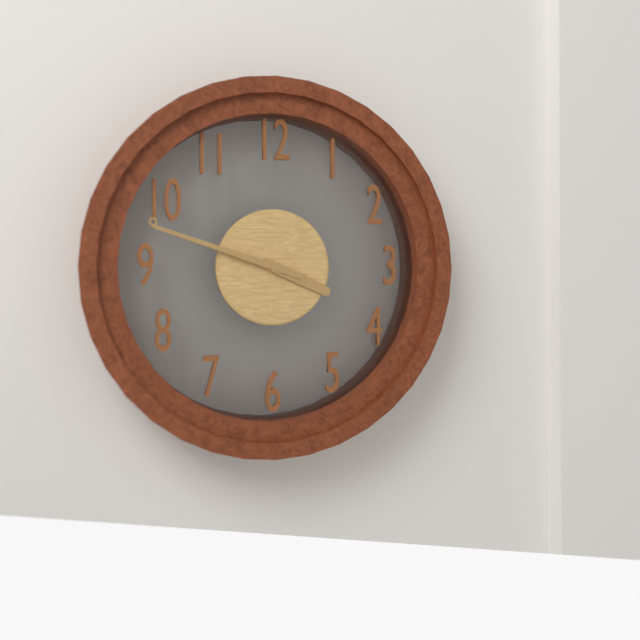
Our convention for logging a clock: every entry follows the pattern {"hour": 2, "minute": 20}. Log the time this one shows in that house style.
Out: {"hour": 3, "minute": 48}
